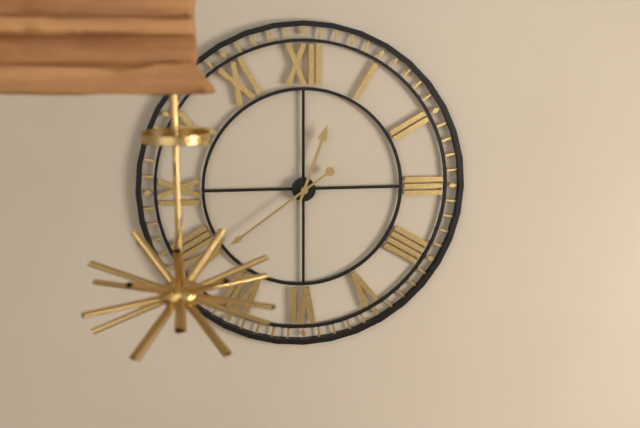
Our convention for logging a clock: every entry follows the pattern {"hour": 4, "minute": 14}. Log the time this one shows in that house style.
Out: {"hour": 12, "minute": 39}
